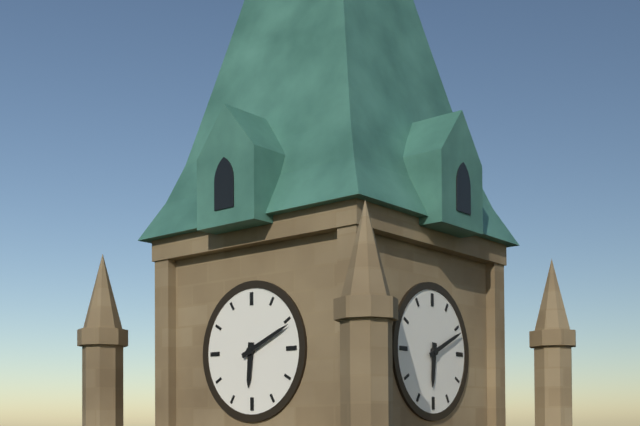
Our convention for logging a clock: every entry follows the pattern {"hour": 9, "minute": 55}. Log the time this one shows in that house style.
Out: {"hour": 6, "minute": 11}
